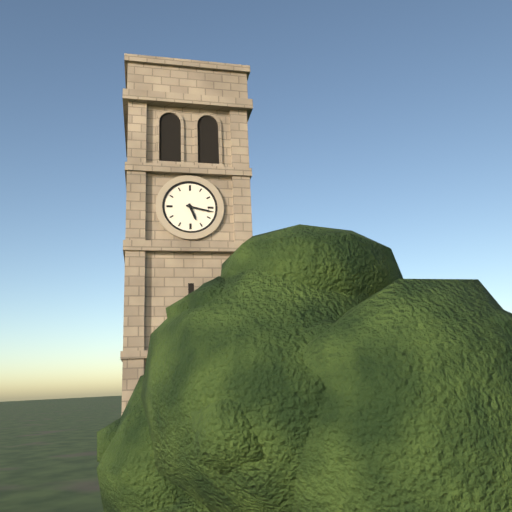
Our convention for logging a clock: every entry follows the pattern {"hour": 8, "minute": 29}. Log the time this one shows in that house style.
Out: {"hour": 5, "minute": 17}
